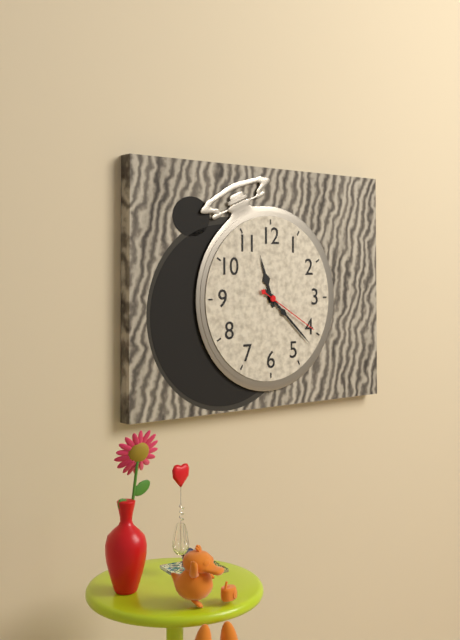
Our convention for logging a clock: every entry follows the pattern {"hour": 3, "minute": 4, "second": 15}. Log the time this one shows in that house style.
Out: {"hour": 11, "minute": 22, "second": 20}
